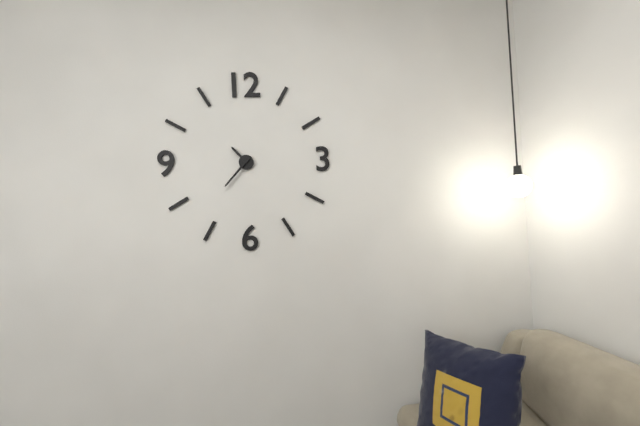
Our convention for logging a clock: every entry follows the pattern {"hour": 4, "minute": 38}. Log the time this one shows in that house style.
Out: {"hour": 10, "minute": 37}
